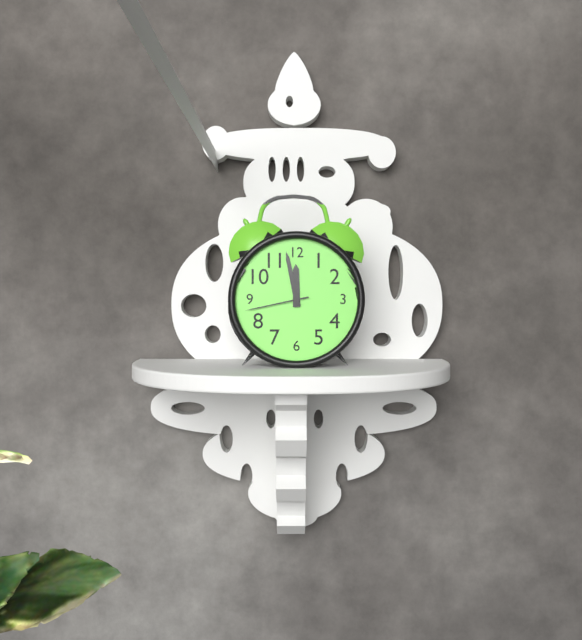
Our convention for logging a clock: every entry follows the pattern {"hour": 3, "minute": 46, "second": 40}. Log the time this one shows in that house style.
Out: {"hour": 11, "minute": 58, "second": 43}
